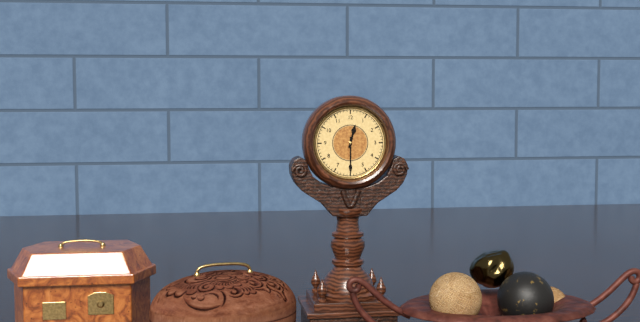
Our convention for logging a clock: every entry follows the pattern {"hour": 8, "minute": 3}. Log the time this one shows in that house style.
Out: {"hour": 12, "minute": 30}
